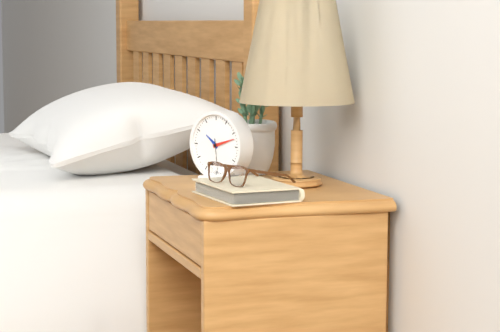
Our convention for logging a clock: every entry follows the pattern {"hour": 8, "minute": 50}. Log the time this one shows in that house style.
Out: {"hour": 10, "minute": 12}
